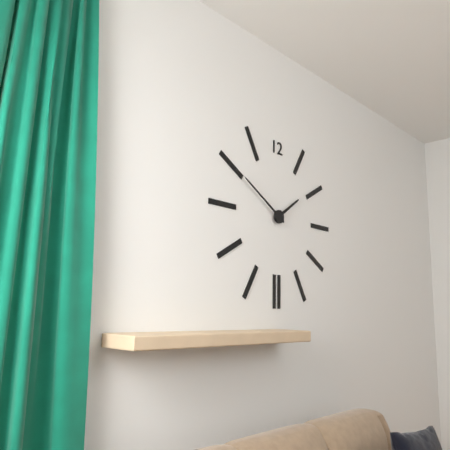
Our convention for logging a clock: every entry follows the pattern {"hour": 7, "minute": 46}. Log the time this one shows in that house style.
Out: {"hour": 1, "minute": 50}
